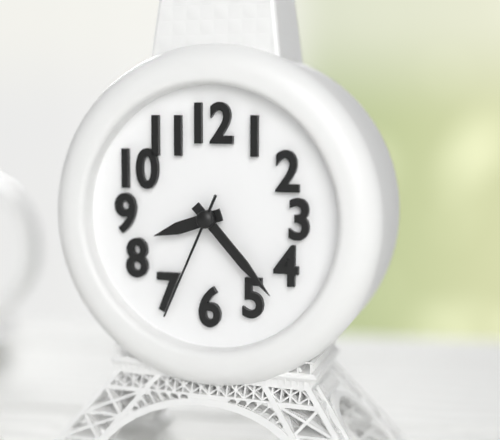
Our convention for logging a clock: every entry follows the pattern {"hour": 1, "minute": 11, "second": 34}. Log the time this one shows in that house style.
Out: {"hour": 8, "minute": 23, "second": 34}
